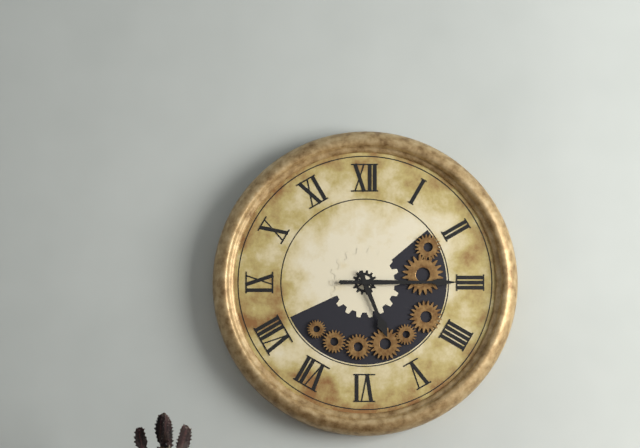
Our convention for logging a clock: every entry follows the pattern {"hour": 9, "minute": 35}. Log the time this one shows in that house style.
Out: {"hour": 5, "minute": 15}
